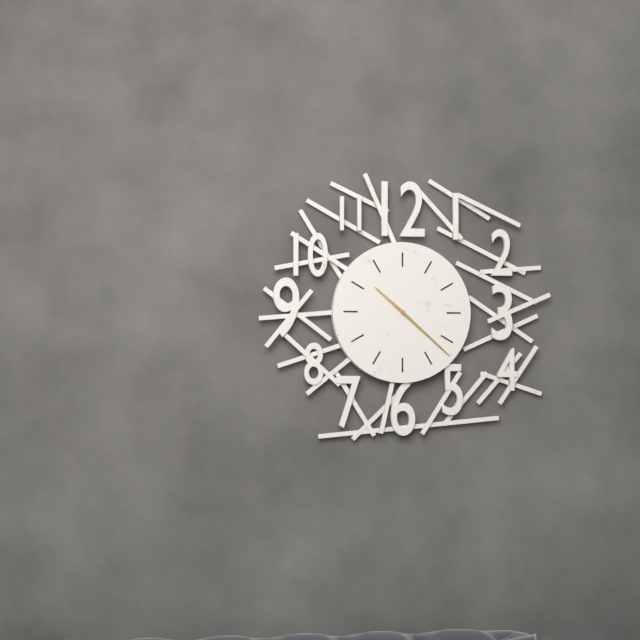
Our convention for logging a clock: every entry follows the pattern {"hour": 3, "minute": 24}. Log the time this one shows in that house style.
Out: {"hour": 10, "minute": 22}
